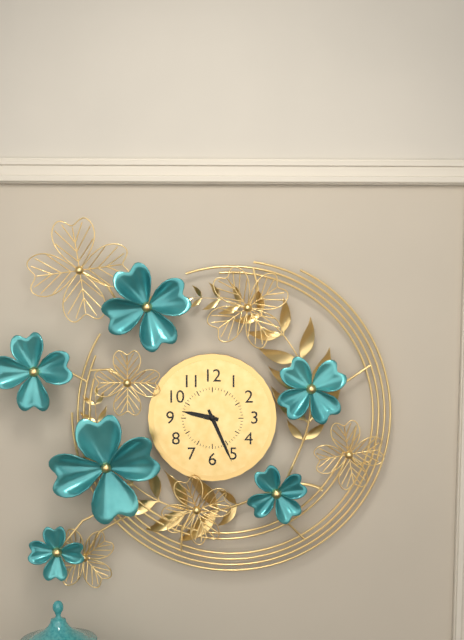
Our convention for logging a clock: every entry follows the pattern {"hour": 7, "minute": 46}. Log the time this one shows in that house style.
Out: {"hour": 9, "minute": 26}
